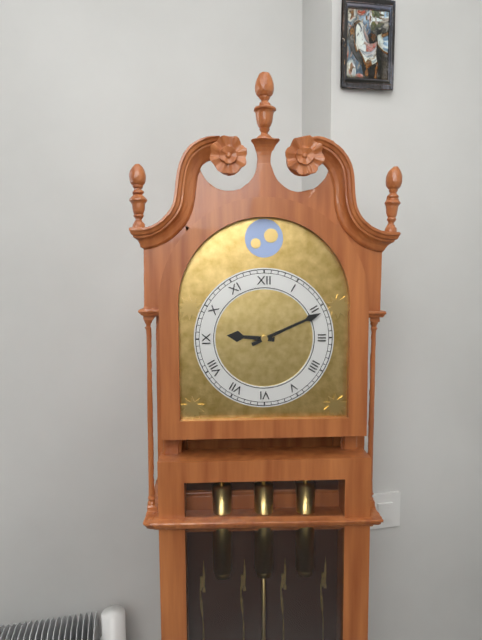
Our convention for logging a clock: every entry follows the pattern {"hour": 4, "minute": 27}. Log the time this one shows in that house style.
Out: {"hour": 9, "minute": 11}
